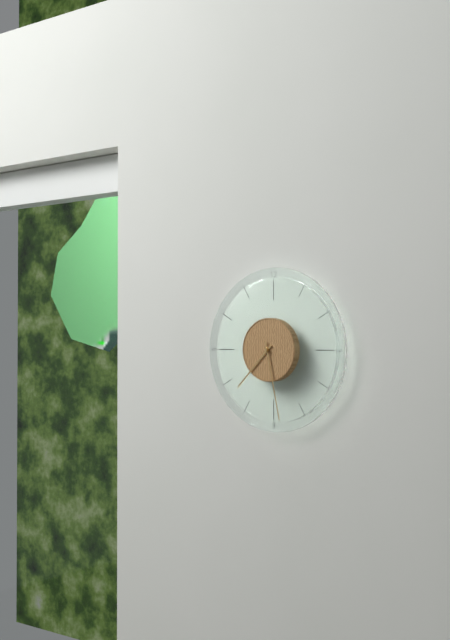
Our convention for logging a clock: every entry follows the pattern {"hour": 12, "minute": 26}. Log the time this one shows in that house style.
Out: {"hour": 7, "minute": 28}
